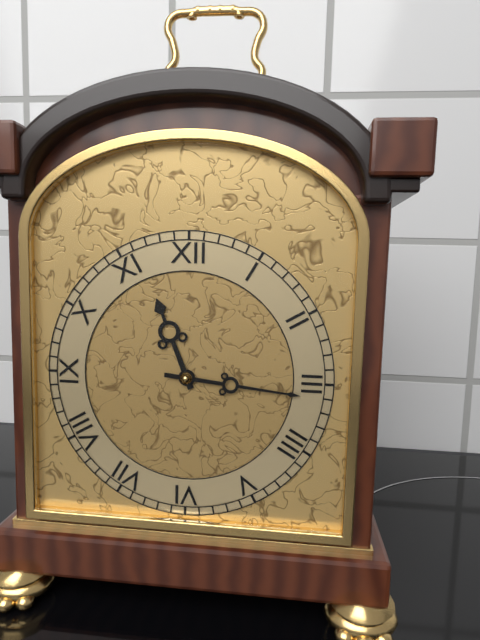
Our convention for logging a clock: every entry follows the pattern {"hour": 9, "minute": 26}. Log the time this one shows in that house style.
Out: {"hour": 11, "minute": 16}
